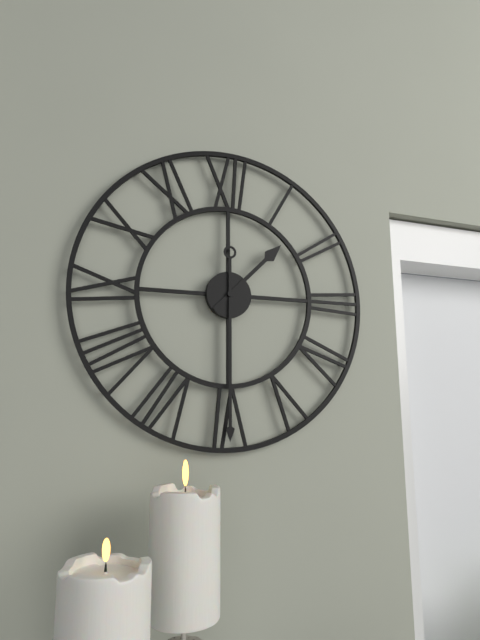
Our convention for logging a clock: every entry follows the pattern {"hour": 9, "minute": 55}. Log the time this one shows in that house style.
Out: {"hour": 1, "minute": 30}
